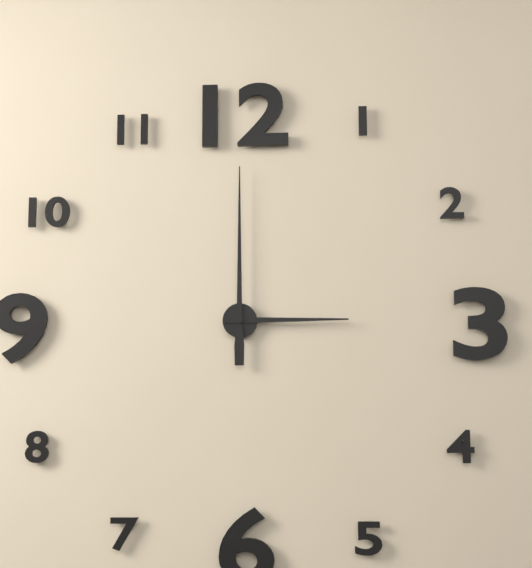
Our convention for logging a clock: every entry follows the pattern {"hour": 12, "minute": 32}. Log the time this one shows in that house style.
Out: {"hour": 3, "minute": 0}
